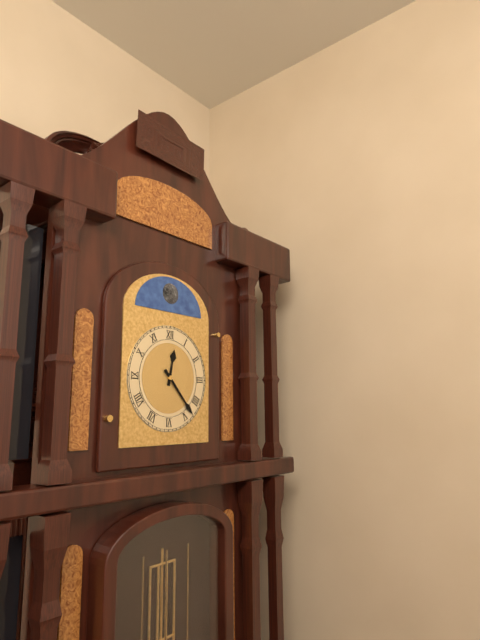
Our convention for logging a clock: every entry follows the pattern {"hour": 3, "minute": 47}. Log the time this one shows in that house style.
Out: {"hour": 12, "minute": 23}
